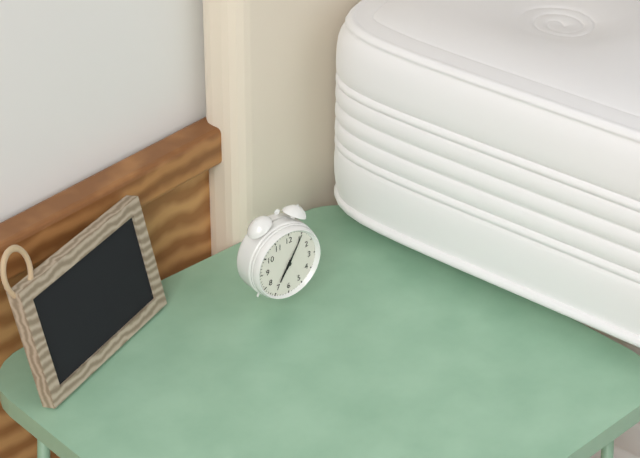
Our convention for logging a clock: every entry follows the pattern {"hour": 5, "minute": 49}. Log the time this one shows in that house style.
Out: {"hour": 7, "minute": 5}
